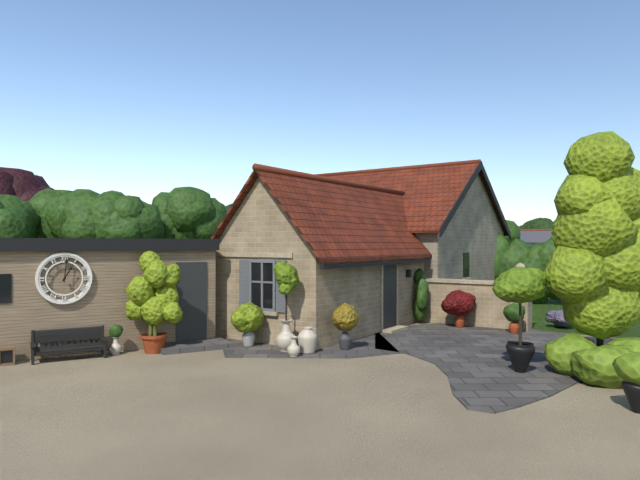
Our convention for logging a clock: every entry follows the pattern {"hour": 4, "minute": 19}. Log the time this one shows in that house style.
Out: {"hour": 1, "minute": 1}
